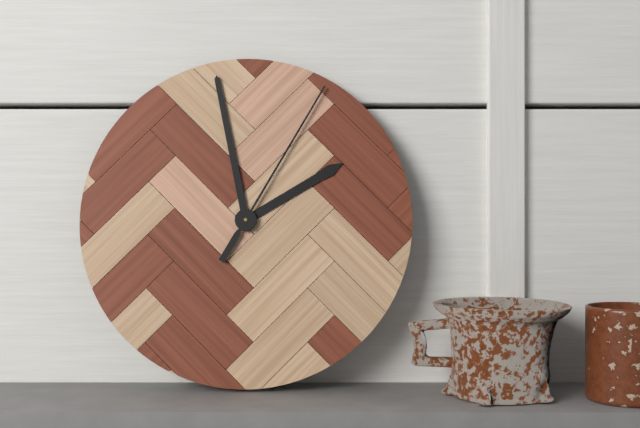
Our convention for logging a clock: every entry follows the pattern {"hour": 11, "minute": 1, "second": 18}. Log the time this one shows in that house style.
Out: {"hour": 1, "minute": 58, "second": 5}
